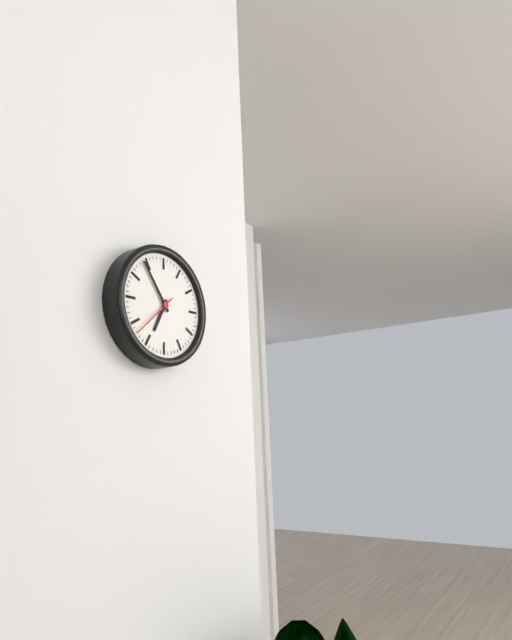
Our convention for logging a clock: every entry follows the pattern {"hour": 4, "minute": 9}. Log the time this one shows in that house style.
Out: {"hour": 6, "minute": 54}
